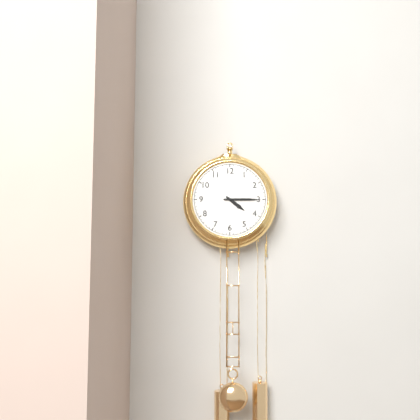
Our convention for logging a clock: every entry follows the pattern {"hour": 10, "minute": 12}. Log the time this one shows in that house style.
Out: {"hour": 4, "minute": 15}
